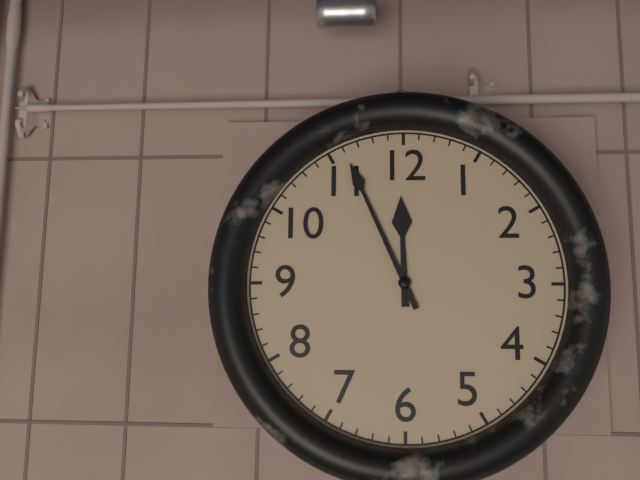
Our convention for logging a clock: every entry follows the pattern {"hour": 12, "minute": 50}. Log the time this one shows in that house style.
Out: {"hour": 11, "minute": 56}
